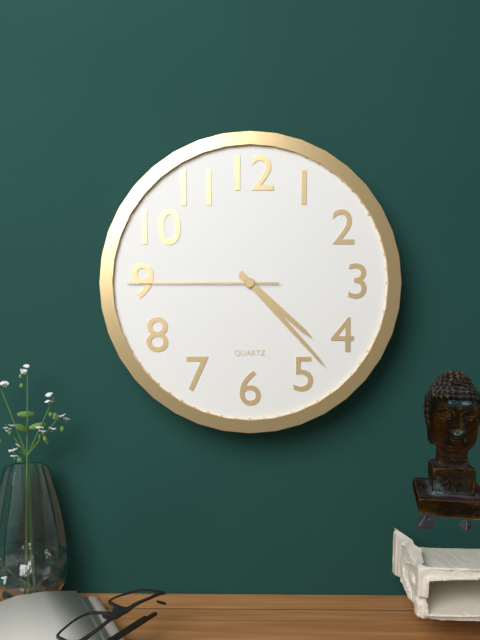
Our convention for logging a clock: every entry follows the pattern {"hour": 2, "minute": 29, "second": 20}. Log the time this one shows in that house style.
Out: {"hour": 4, "minute": 23, "second": 45}
